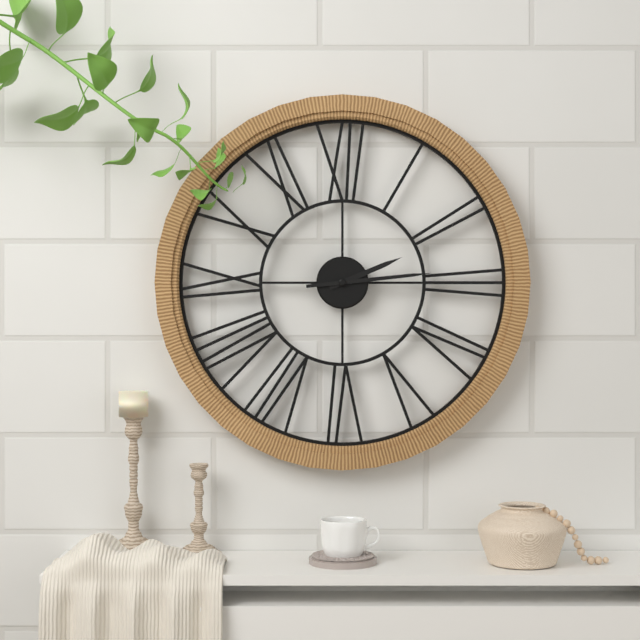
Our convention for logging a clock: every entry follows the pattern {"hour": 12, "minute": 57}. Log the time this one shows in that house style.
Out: {"hour": 2, "minute": 14}
